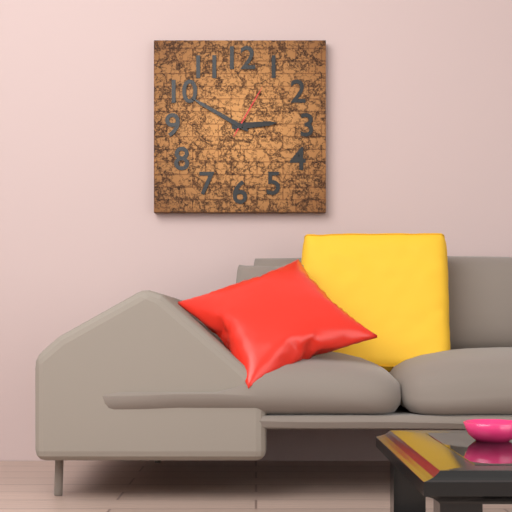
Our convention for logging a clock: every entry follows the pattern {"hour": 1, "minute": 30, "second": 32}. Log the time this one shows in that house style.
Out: {"hour": 2, "minute": 50, "second": 5}
